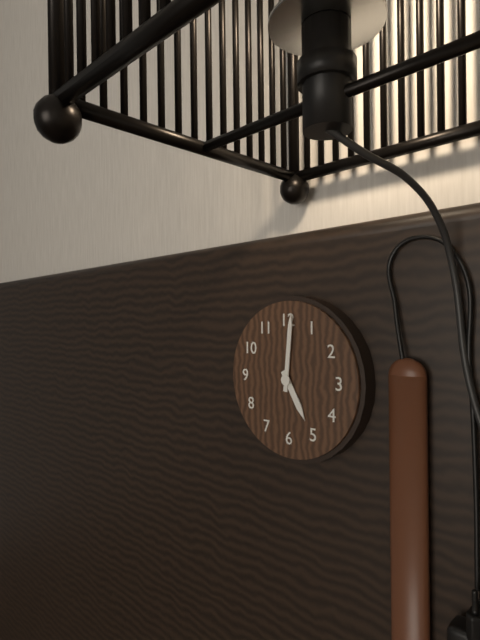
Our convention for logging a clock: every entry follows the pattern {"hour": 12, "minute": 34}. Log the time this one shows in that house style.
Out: {"hour": 5, "minute": 1}
